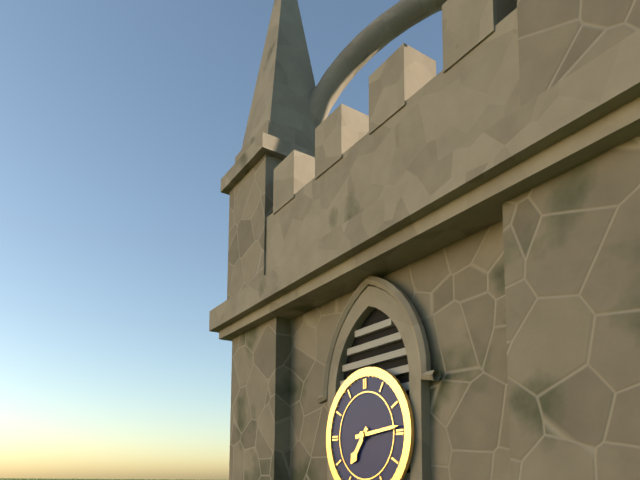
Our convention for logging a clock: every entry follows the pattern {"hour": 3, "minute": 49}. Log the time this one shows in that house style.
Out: {"hour": 7, "minute": 14}
